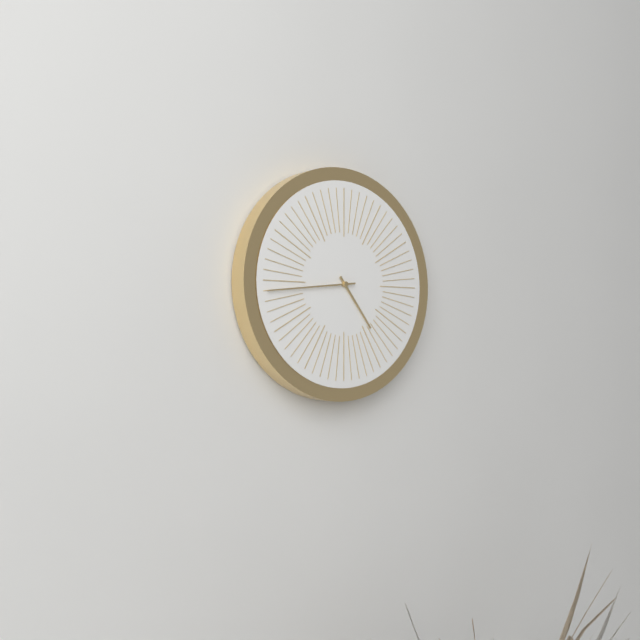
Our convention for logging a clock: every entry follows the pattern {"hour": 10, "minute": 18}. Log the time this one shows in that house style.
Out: {"hour": 4, "minute": 44}
